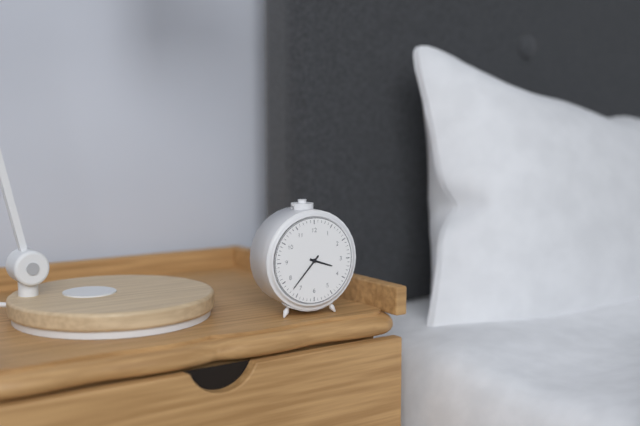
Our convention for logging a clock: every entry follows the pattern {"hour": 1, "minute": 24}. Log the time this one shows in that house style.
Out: {"hour": 3, "minute": 37}
